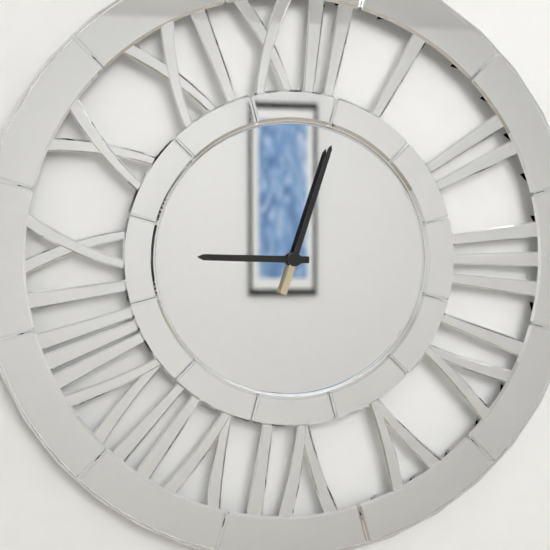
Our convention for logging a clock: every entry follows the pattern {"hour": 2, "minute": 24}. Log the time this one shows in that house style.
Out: {"hour": 9, "minute": 3}
